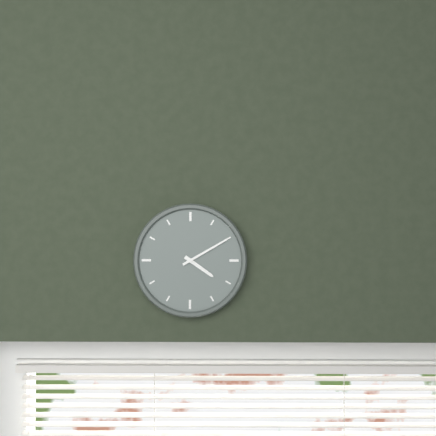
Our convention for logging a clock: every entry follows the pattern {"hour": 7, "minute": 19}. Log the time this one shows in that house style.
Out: {"hour": 4, "minute": 10}
